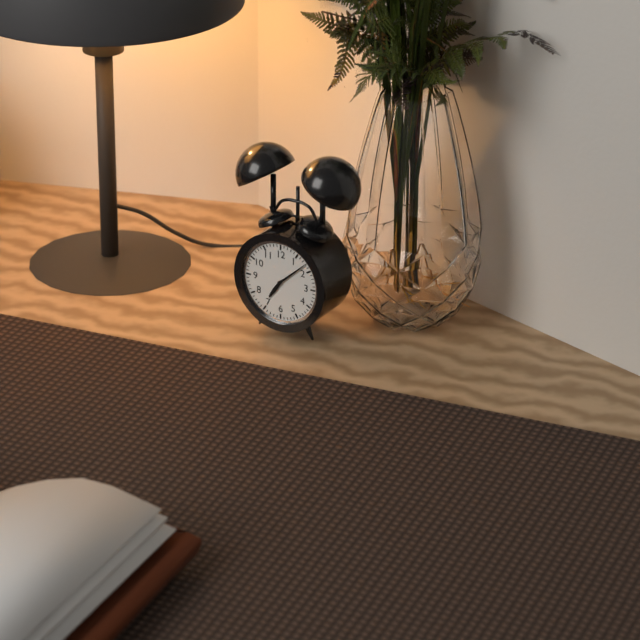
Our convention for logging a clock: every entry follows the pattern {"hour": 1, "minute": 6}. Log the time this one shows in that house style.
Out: {"hour": 7, "minute": 8}
